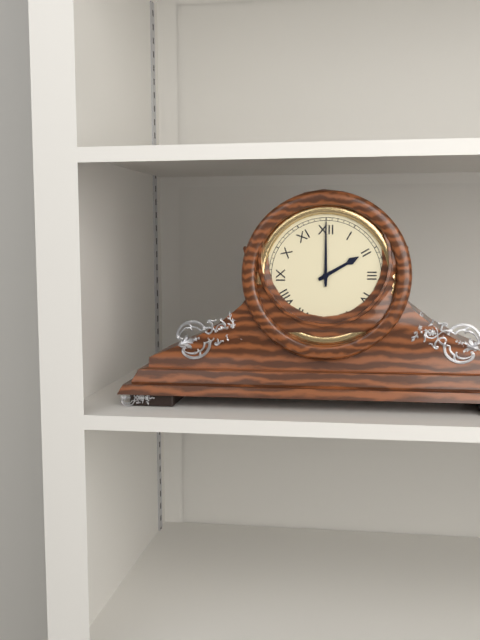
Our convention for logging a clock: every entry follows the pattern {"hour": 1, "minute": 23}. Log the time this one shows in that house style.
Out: {"hour": 2, "minute": 0}
